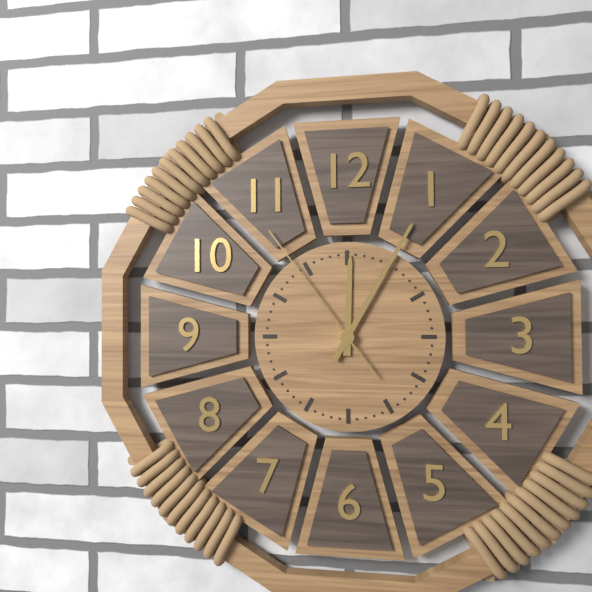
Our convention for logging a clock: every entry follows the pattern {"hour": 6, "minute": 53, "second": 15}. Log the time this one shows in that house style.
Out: {"hour": 12, "minute": 5, "second": 54}
